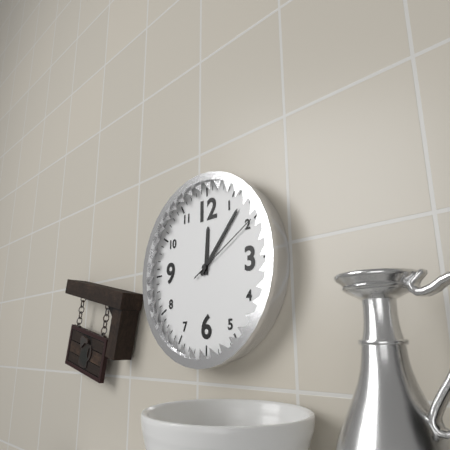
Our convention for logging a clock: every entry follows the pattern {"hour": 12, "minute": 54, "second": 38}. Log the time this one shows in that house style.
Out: {"hour": 12, "minute": 7, "second": 10}
